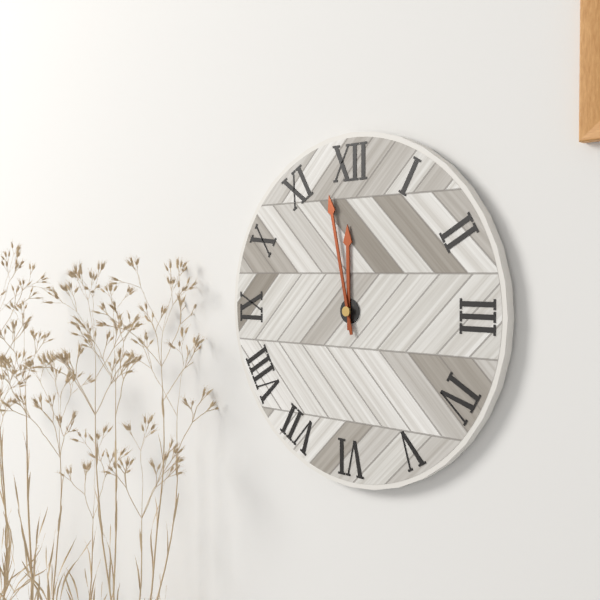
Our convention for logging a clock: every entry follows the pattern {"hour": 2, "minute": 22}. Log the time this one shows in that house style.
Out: {"hour": 11, "minute": 58}
